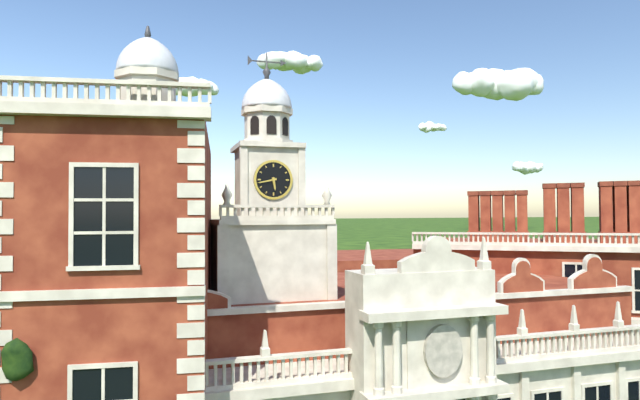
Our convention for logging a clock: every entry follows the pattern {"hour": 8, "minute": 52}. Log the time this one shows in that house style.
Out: {"hour": 5, "minute": 43}
